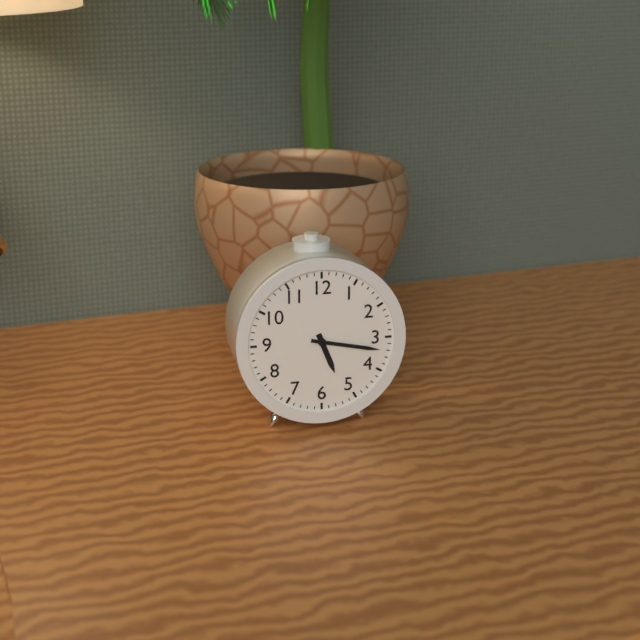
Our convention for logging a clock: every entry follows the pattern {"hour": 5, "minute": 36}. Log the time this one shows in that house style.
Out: {"hour": 5, "minute": 17}
